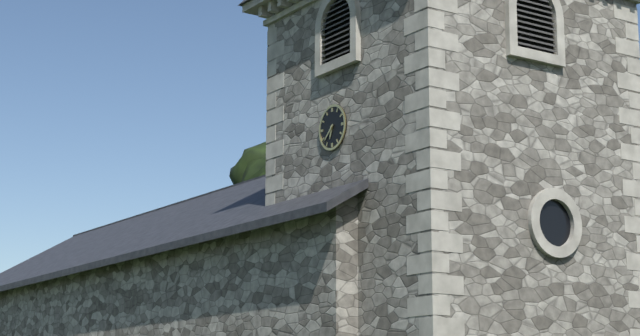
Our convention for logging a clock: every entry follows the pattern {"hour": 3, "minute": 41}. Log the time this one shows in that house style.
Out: {"hour": 6, "minute": 38}
